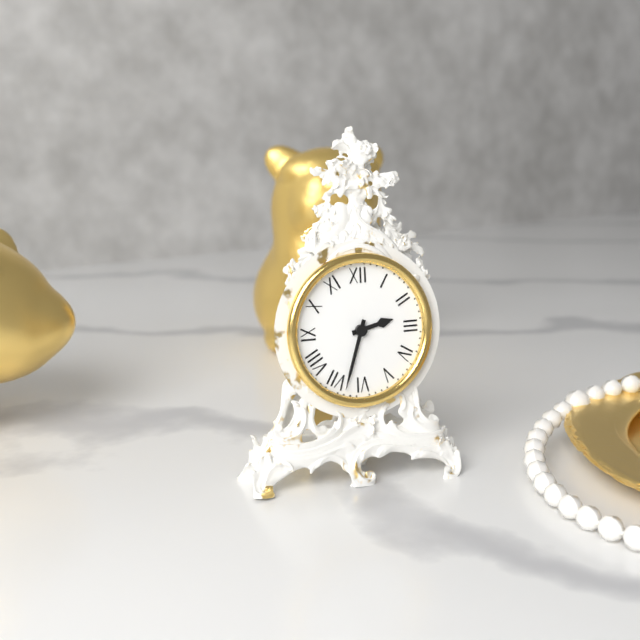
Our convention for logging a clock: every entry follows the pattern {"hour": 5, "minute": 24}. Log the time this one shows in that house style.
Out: {"hour": 2, "minute": 33}
